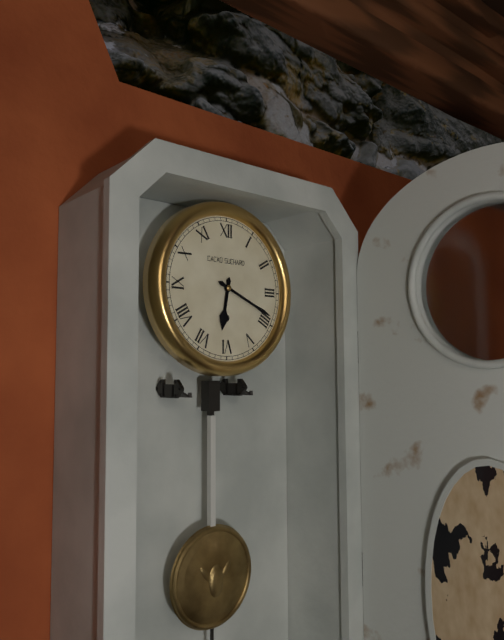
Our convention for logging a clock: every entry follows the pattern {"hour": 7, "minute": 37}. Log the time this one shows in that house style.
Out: {"hour": 6, "minute": 19}
